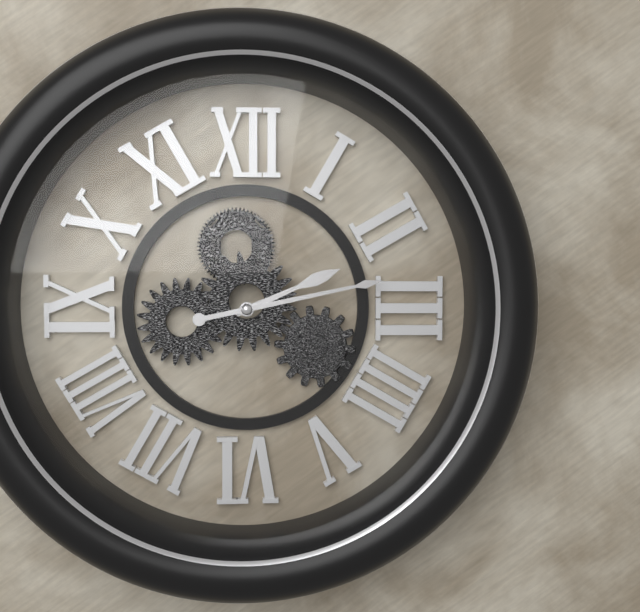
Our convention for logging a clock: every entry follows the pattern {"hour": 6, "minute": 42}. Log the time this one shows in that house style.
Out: {"hour": 2, "minute": 13}
